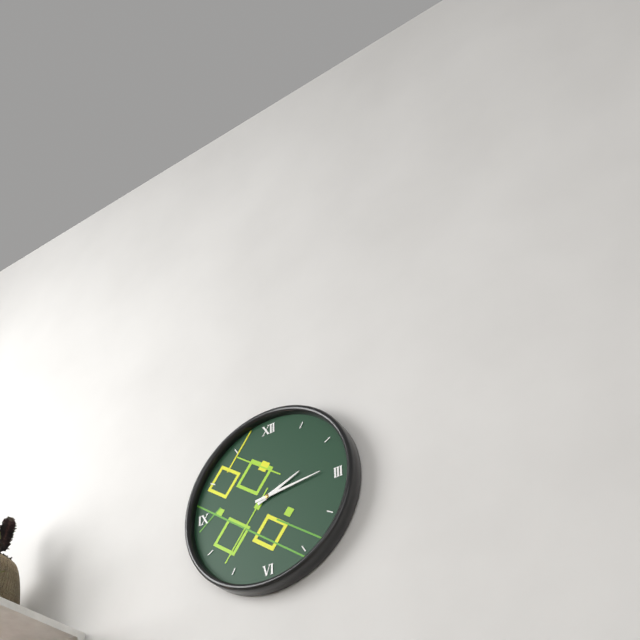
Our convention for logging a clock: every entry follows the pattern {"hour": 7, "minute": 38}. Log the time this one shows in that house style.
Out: {"hour": 2, "minute": 14}
